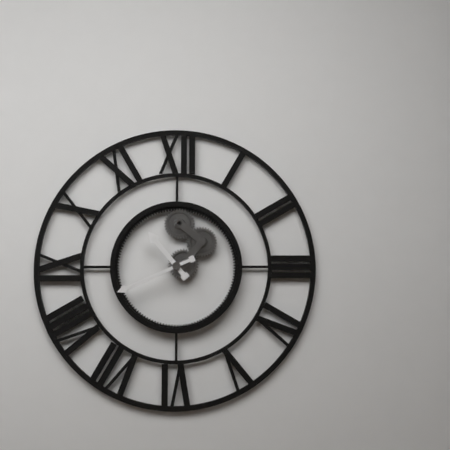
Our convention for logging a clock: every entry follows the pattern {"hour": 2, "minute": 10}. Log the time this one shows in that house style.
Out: {"hour": 10, "minute": 41}
